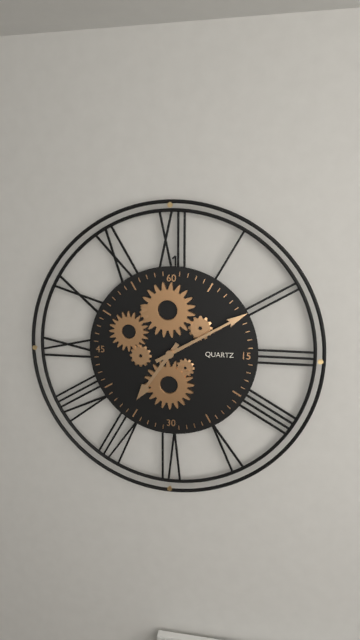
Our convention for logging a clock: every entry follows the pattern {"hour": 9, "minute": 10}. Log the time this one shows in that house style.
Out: {"hour": 7, "minute": 10}
